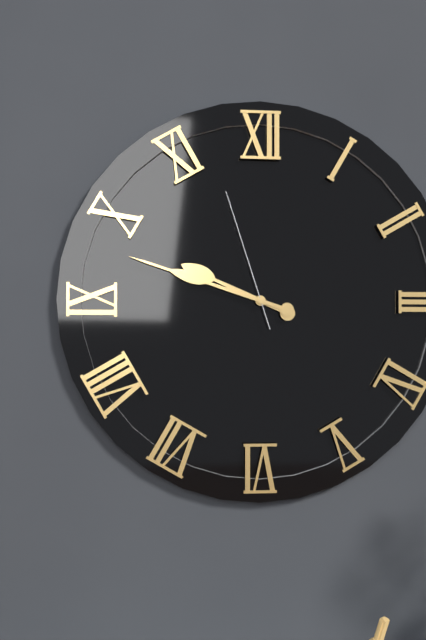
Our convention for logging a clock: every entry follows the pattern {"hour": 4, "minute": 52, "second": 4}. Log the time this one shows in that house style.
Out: {"hour": 9, "minute": 48, "second": 57}
